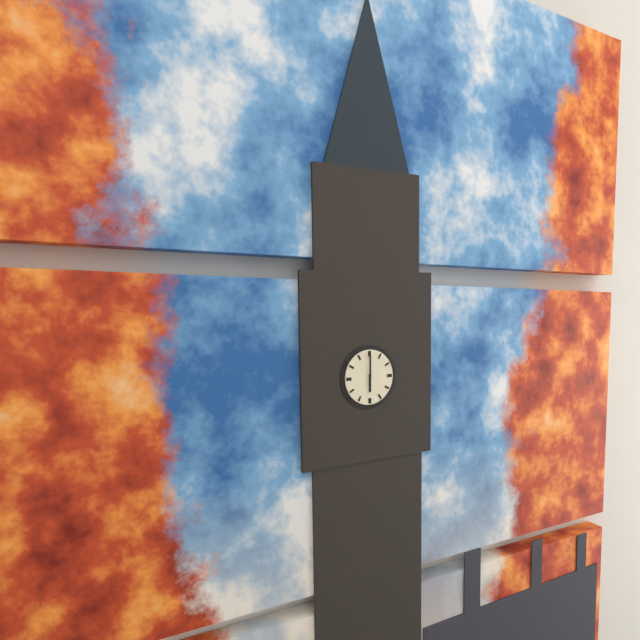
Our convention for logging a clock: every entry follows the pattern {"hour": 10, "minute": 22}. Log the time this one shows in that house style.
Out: {"hour": 6, "minute": 0}
